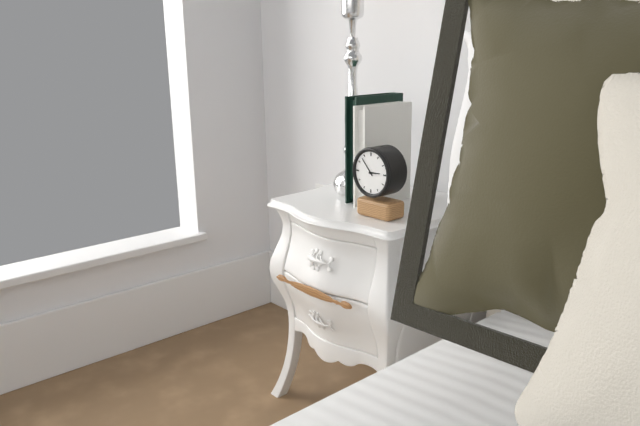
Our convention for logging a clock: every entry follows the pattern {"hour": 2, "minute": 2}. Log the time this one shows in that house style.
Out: {"hour": 2, "minute": 53}
